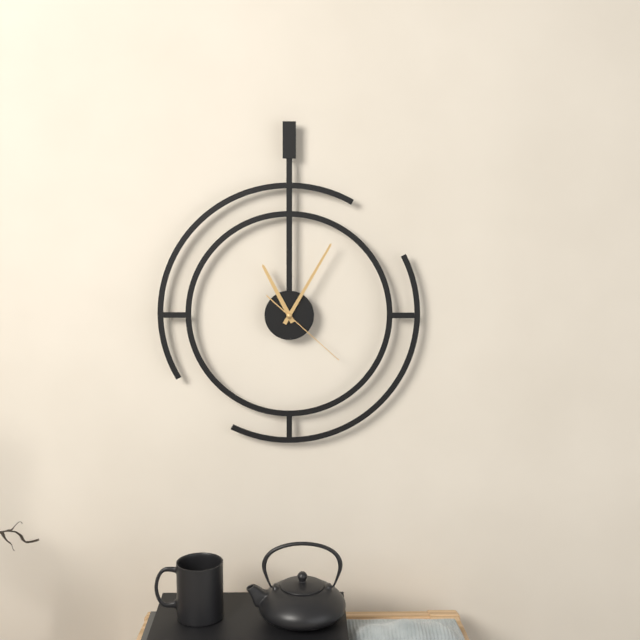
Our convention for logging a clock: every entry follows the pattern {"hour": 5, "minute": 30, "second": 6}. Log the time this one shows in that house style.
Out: {"hour": 11, "minute": 5, "second": 22}
